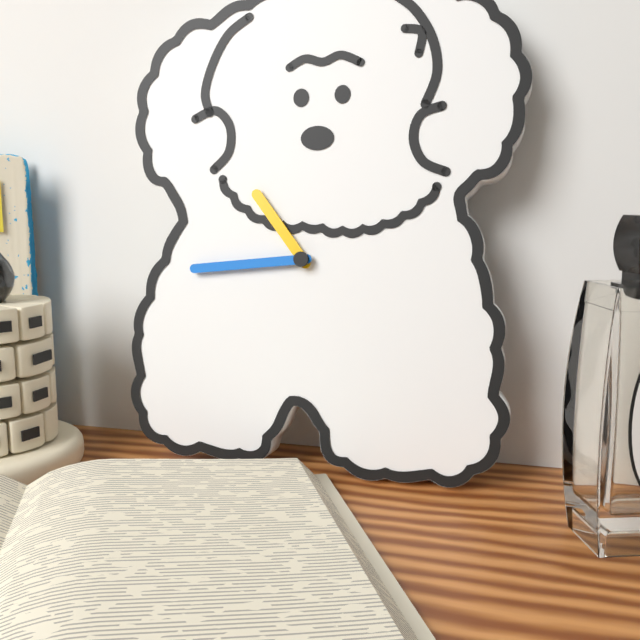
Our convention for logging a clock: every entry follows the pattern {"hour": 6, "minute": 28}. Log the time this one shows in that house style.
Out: {"hour": 10, "minute": 44}
